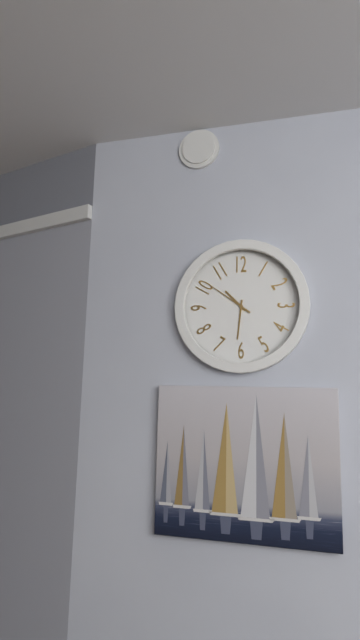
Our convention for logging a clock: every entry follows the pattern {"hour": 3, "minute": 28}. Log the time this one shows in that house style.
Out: {"hour": 10, "minute": 31}
